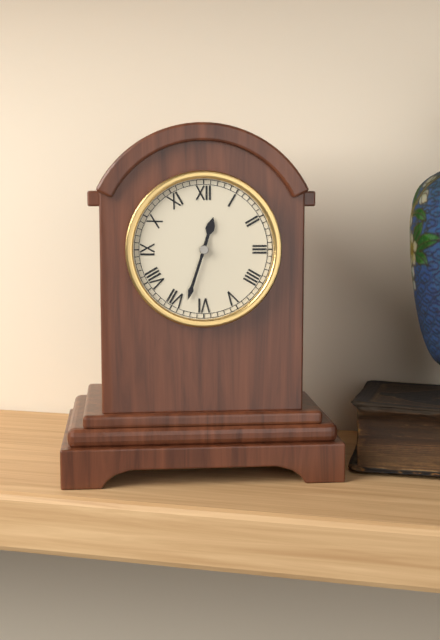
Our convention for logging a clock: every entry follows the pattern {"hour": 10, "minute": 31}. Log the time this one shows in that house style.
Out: {"hour": 12, "minute": 33}
